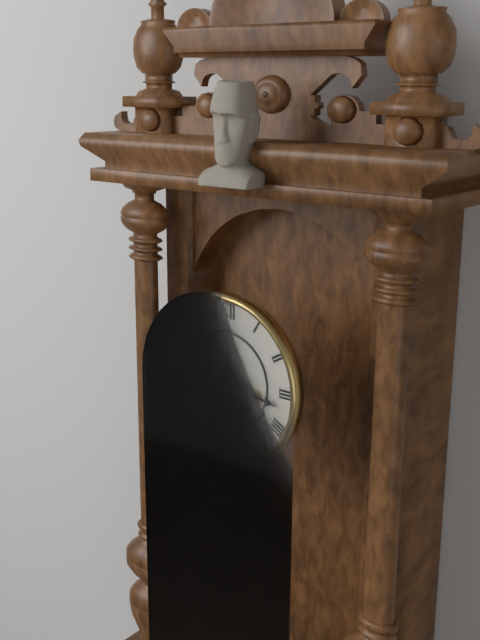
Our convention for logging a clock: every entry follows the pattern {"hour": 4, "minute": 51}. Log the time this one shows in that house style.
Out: {"hour": 5, "minute": 17}
